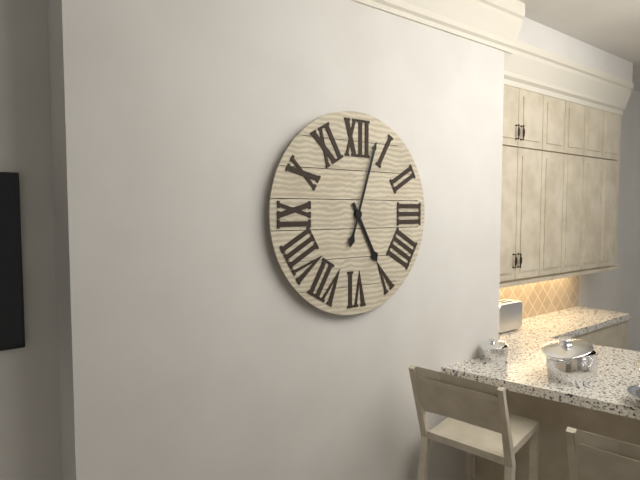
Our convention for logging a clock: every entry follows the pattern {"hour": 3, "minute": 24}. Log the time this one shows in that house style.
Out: {"hour": 5, "minute": 3}
